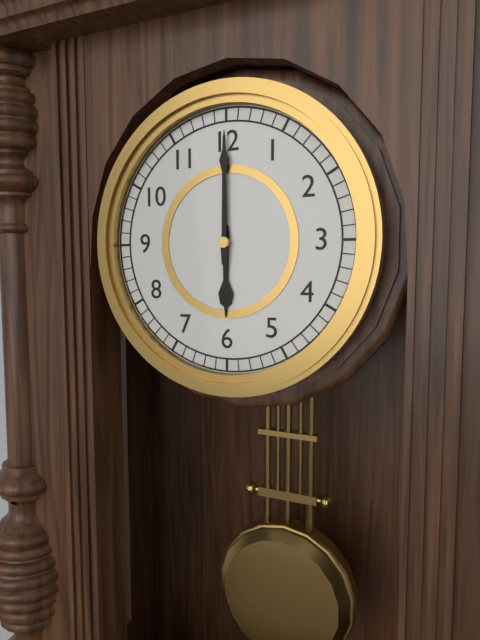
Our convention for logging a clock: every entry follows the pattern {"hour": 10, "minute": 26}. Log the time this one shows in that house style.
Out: {"hour": 6, "minute": 0}
